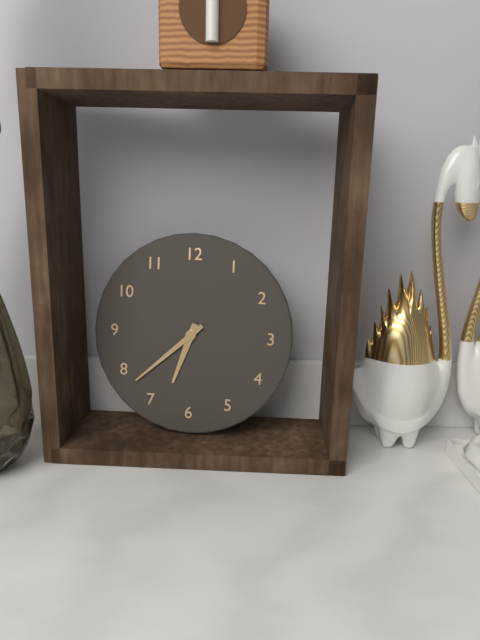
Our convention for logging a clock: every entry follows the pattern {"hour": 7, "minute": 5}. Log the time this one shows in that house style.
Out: {"hour": 6, "minute": 38}
